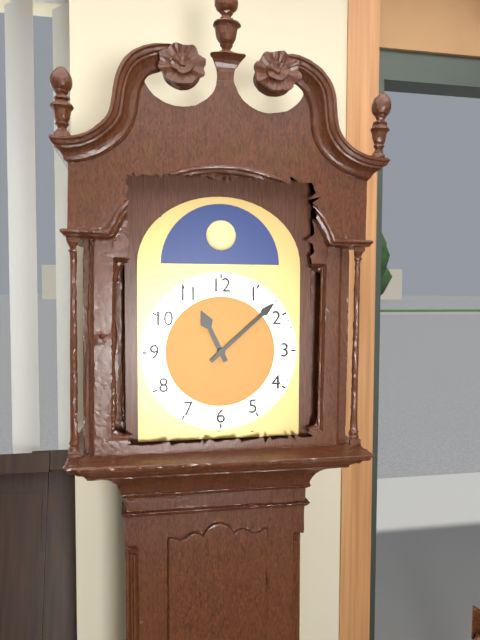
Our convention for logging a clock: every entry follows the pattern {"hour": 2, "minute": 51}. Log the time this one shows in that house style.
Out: {"hour": 11, "minute": 8}
